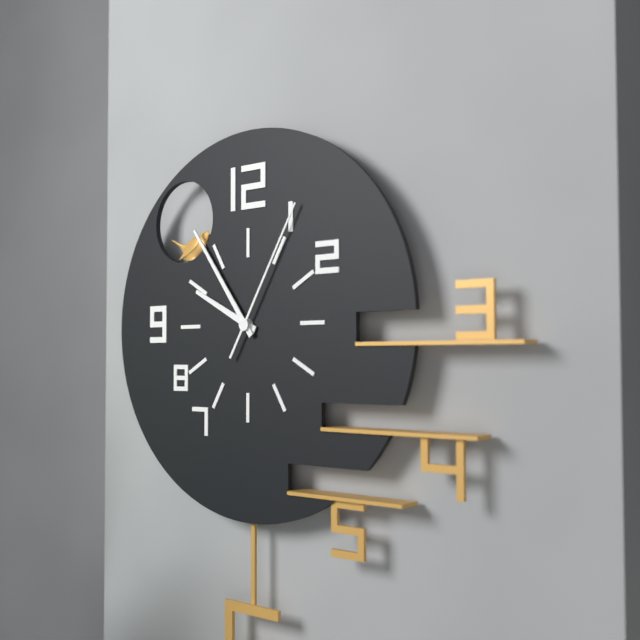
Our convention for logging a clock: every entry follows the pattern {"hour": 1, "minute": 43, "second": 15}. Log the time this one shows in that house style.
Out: {"hour": 9, "minute": 54, "second": 5}
